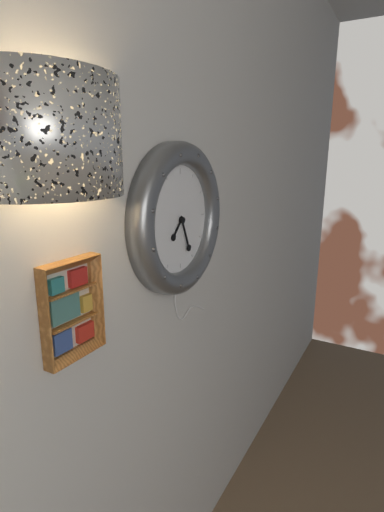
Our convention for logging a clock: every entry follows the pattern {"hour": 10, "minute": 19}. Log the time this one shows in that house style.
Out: {"hour": 7, "minute": 26}
